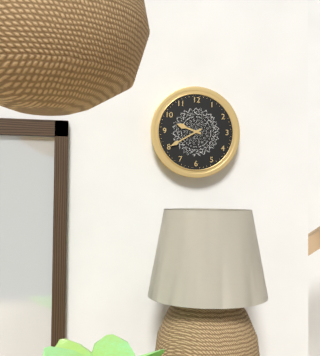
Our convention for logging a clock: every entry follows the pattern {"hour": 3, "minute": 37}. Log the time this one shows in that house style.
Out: {"hour": 9, "minute": 40}
